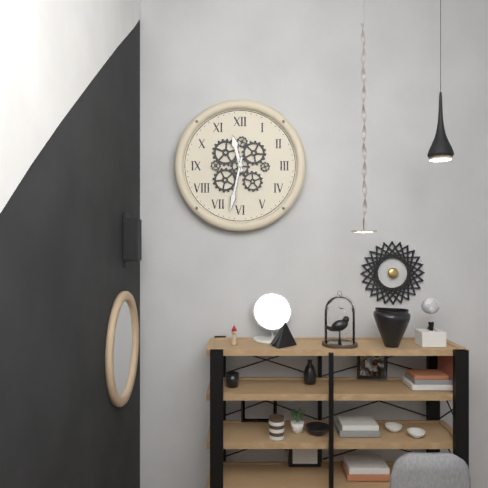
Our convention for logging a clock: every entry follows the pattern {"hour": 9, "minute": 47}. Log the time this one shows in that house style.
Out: {"hour": 11, "minute": 32}
